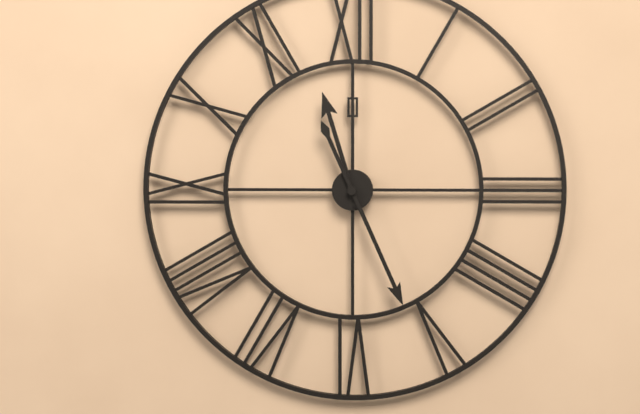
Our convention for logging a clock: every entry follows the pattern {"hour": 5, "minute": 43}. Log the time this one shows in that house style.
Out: {"hour": 11, "minute": 26}
